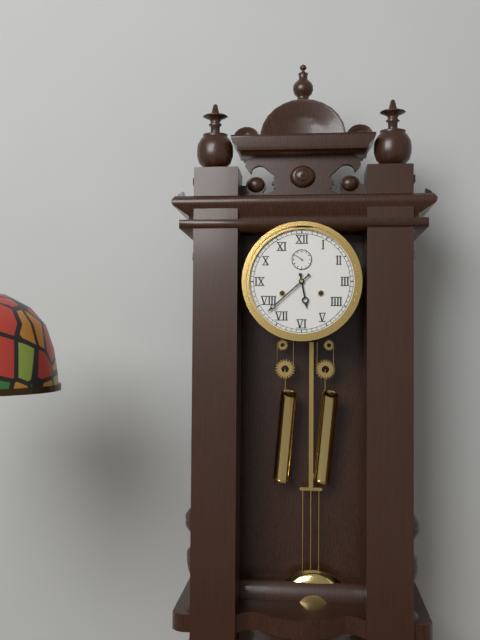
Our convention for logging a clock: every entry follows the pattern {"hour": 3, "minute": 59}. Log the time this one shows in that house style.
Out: {"hour": 5, "minute": 38}
